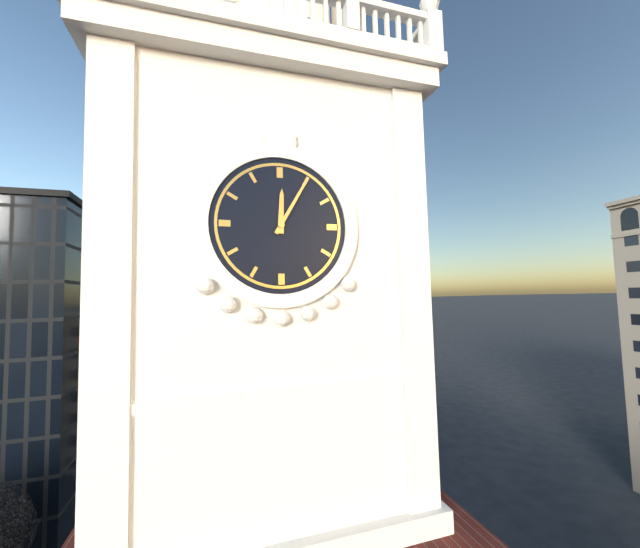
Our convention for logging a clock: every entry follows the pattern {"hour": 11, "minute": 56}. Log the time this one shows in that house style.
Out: {"hour": 12, "minute": 5}
